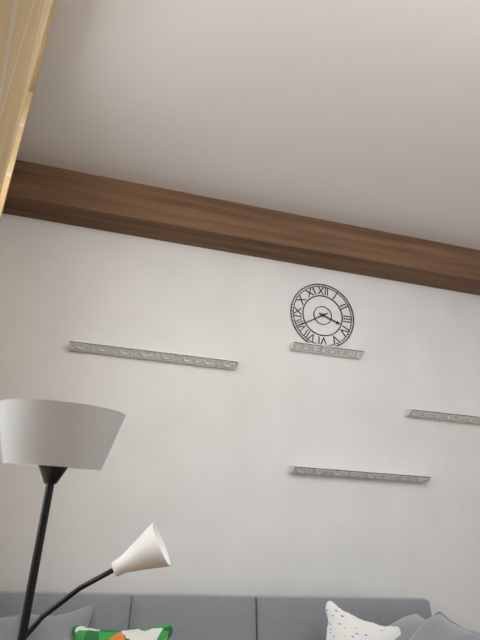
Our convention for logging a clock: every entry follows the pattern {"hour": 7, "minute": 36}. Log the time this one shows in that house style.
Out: {"hour": 3, "minute": 40}
